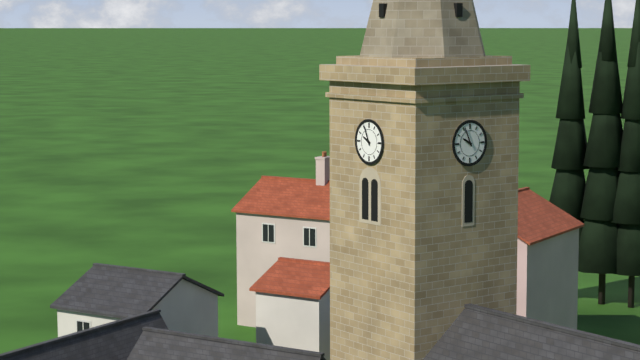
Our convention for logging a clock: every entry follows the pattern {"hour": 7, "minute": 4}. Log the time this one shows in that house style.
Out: {"hour": 9, "minute": 56}
